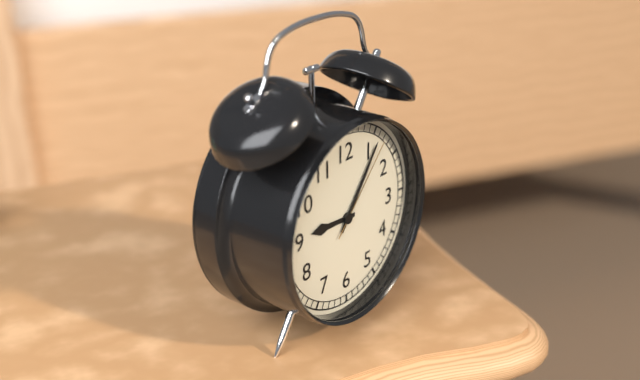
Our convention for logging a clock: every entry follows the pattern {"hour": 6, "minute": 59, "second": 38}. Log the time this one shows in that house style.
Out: {"hour": 9, "minute": 6, "second": 7}
